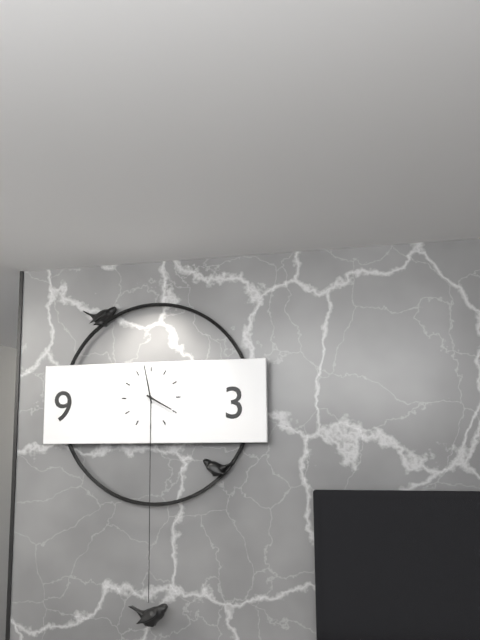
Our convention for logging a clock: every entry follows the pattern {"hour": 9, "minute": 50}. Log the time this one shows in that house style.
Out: {"hour": 3, "minute": 58}
